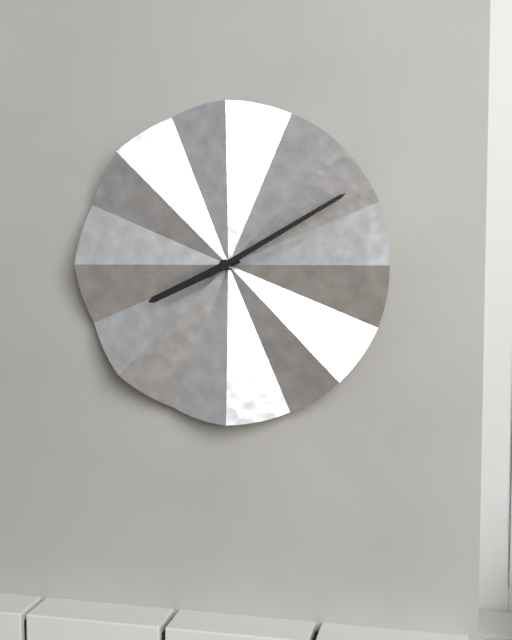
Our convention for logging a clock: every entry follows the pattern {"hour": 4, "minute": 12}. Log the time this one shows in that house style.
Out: {"hour": 8, "minute": 10}
